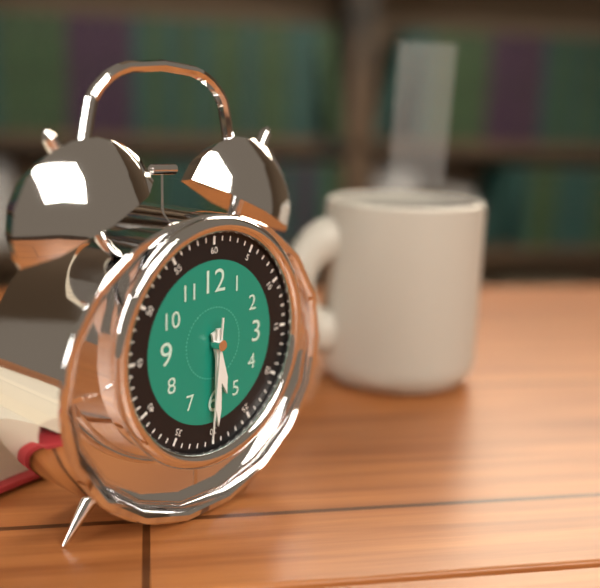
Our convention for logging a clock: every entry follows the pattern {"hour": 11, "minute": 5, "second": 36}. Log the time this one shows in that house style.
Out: {"hour": 5, "minute": 30, "second": 31}
